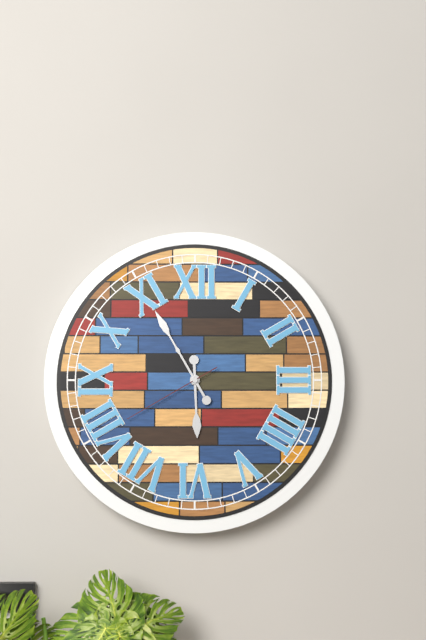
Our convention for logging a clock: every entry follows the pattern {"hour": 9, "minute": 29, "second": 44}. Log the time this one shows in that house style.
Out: {"hour": 5, "minute": 55, "second": 40}
